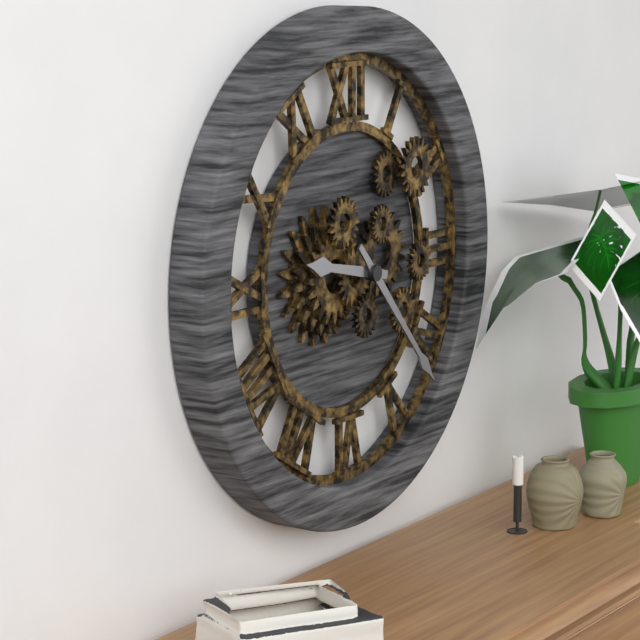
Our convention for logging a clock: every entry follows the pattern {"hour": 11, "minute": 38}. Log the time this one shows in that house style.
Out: {"hour": 9, "minute": 23}
